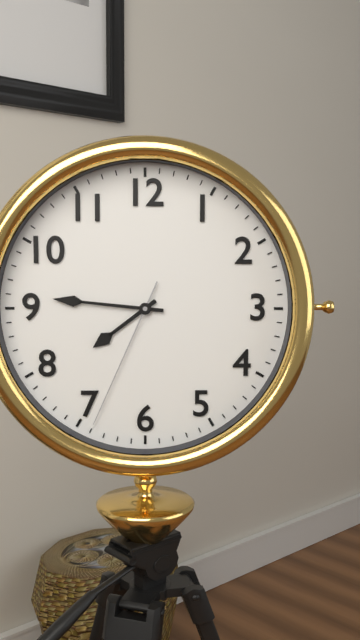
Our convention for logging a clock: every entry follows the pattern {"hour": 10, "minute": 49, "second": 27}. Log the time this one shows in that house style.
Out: {"hour": 7, "minute": 46, "second": 34}
